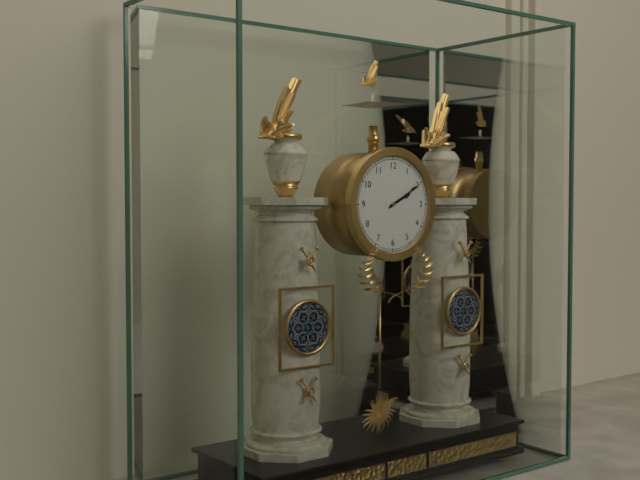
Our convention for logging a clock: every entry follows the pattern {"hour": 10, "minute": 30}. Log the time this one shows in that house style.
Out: {"hour": 2, "minute": 10}
